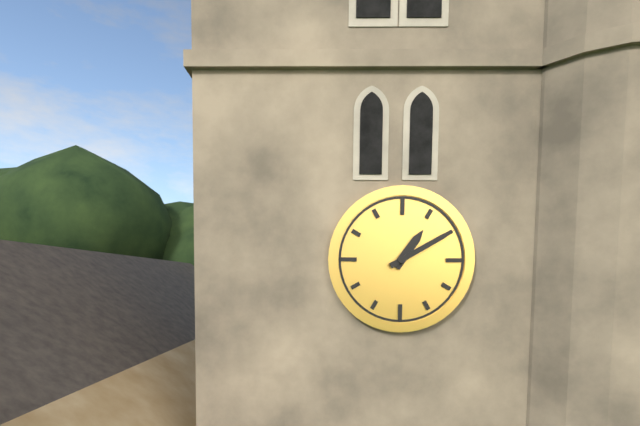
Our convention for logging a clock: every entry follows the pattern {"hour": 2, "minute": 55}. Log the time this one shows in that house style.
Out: {"hour": 1, "minute": 10}
